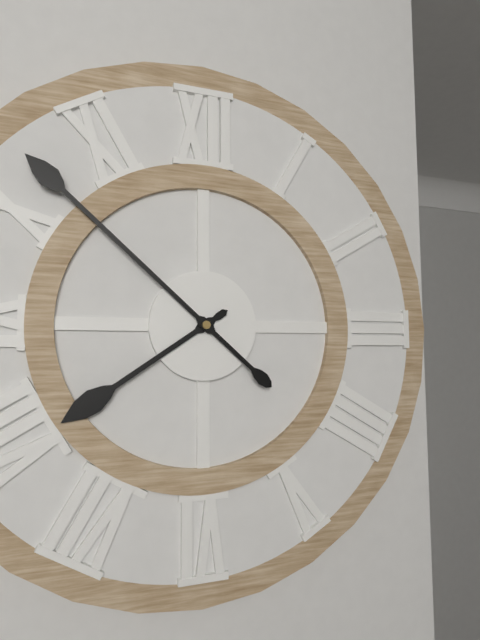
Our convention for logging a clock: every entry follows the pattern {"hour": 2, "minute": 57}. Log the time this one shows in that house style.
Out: {"hour": 7, "minute": 52}
